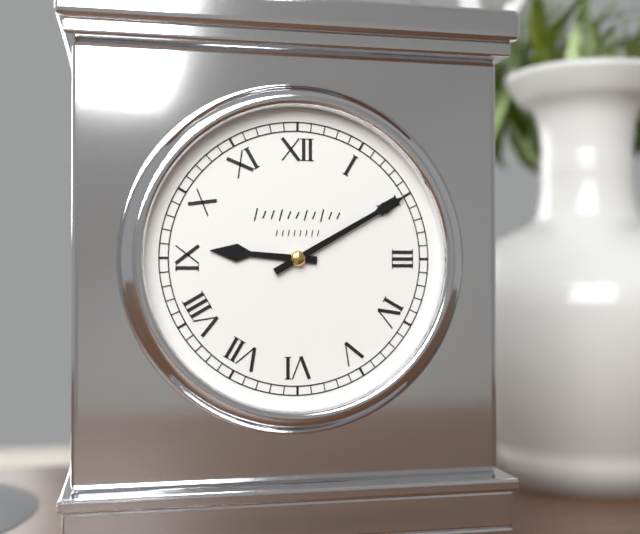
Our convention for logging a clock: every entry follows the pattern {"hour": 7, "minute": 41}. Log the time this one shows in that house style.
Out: {"hour": 9, "minute": 10}
